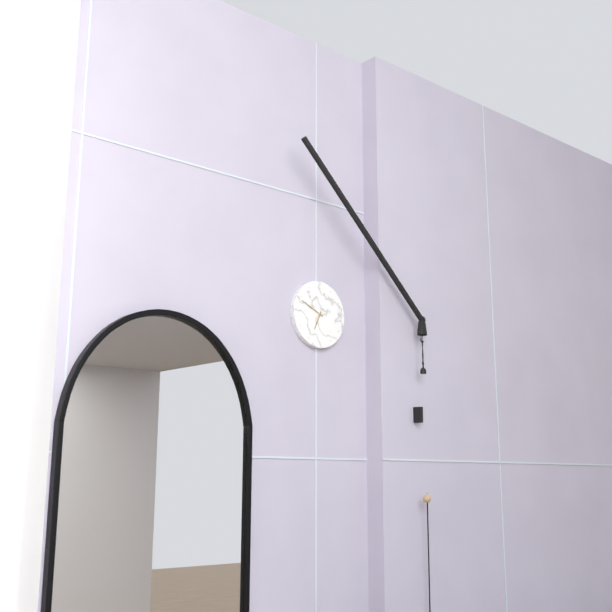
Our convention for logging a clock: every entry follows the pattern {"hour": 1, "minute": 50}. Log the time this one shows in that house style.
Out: {"hour": 6, "minute": 49}
